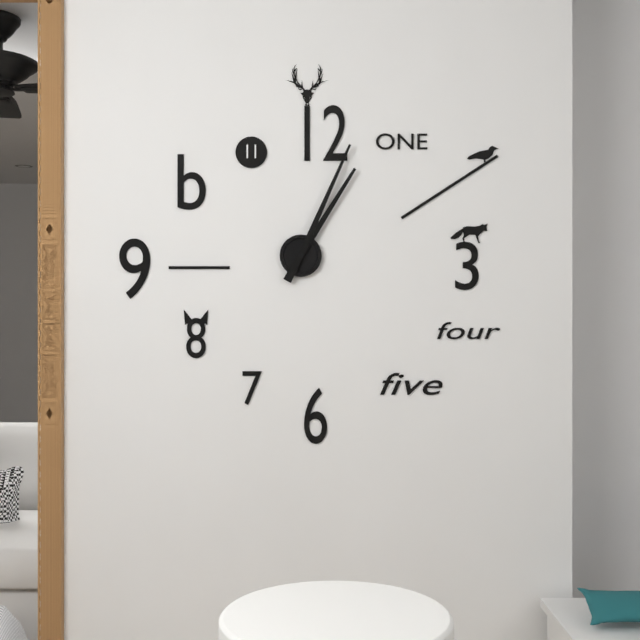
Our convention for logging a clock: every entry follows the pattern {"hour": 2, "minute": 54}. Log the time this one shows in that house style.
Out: {"hour": 1, "minute": 4}
